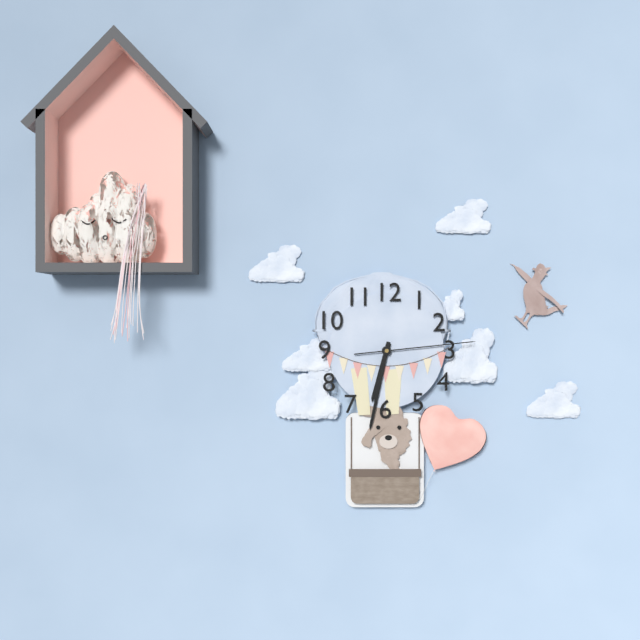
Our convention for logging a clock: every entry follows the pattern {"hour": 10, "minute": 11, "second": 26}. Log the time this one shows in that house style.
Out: {"hour": 6, "minute": 32, "second": 14}
